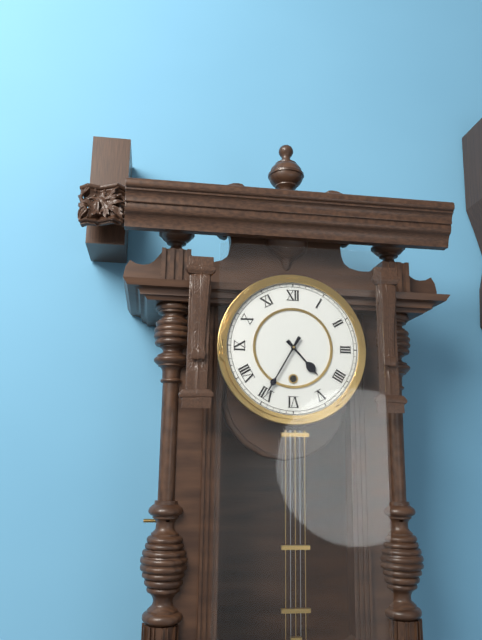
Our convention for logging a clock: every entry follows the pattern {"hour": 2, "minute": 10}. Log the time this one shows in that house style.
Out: {"hour": 4, "minute": 35}
